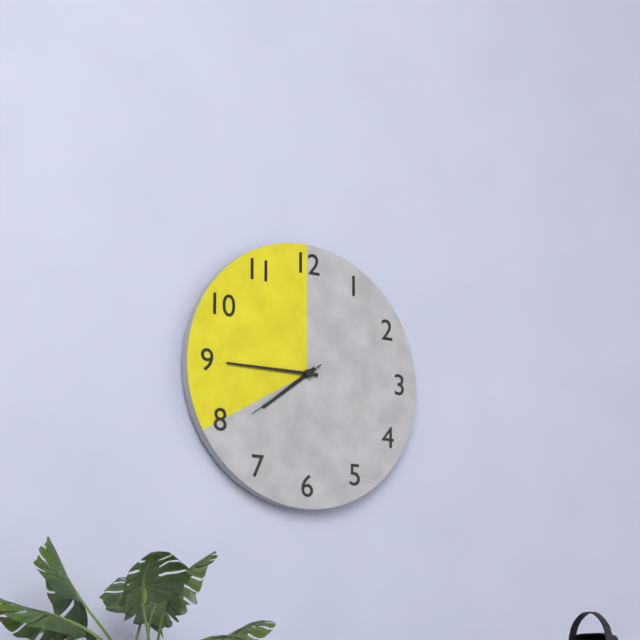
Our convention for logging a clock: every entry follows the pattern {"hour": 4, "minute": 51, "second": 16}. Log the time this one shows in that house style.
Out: {"hour": 7, "minute": 45, "second": 39}
